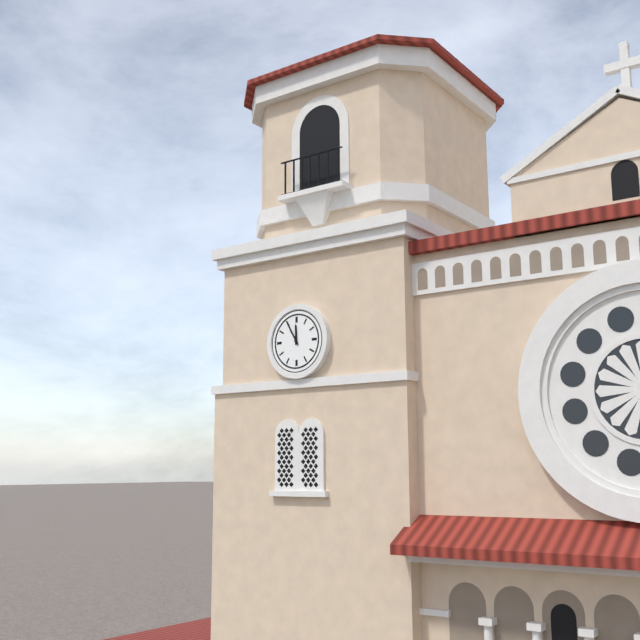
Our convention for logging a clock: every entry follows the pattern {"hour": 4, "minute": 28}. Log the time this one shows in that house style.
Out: {"hour": 11, "minute": 55}
